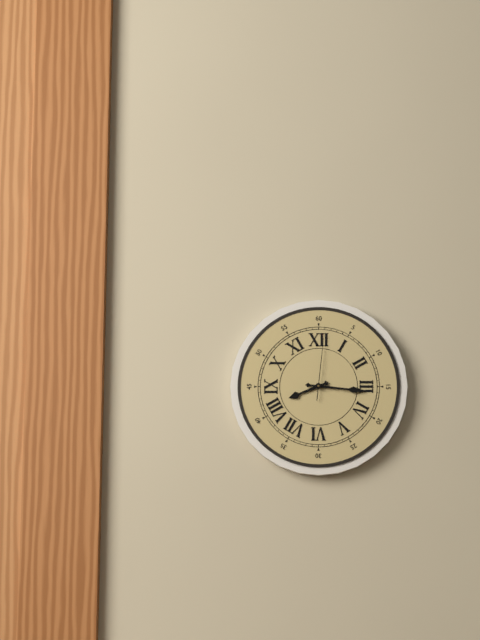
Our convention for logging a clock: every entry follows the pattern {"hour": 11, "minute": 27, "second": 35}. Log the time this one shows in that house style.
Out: {"hour": 8, "minute": 16, "second": 1}
